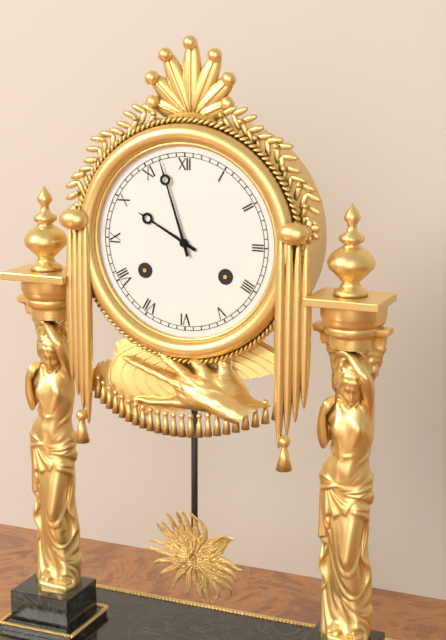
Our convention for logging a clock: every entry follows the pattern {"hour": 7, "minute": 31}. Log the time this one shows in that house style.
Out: {"hour": 9, "minute": 57}
